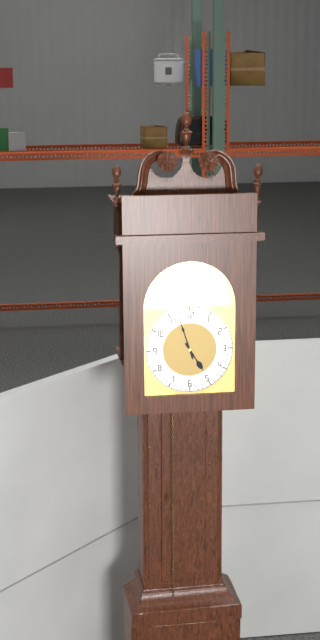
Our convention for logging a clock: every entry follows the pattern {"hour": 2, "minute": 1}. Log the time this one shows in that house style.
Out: {"hour": 4, "minute": 57}
